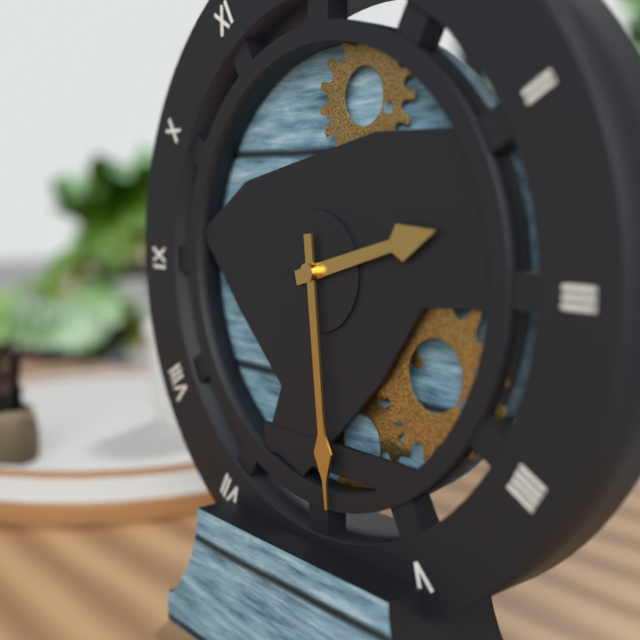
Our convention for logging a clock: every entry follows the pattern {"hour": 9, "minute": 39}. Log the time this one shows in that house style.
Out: {"hour": 2, "minute": 29}
